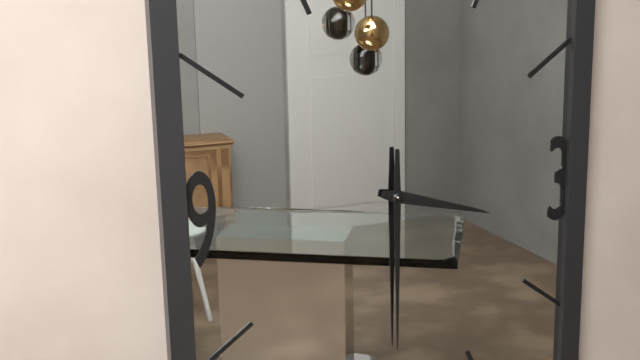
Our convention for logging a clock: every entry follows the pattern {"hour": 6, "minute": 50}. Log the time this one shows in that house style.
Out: {"hour": 3, "minute": 30}
